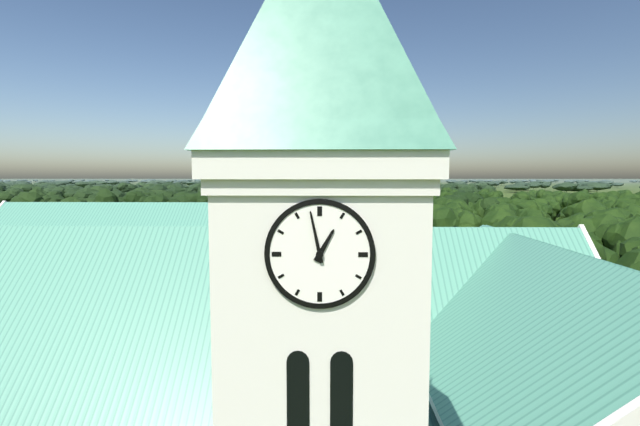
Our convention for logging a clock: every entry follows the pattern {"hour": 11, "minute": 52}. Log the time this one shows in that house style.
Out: {"hour": 12, "minute": 58}
